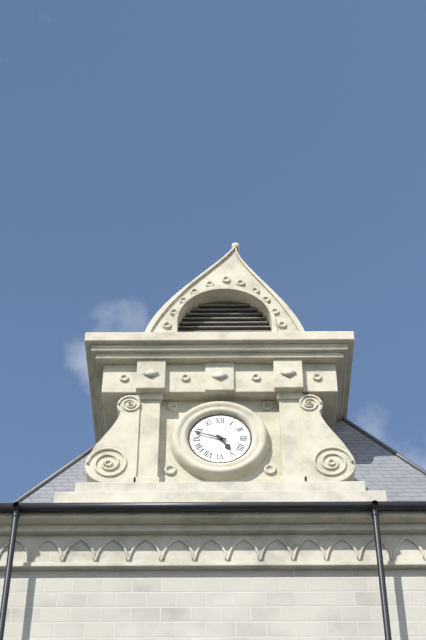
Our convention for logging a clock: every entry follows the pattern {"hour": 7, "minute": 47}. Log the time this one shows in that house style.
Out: {"hour": 4, "minute": 48}
